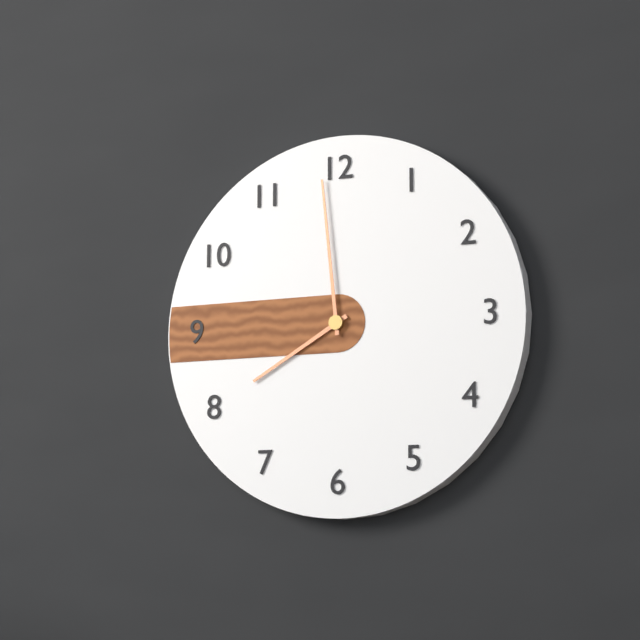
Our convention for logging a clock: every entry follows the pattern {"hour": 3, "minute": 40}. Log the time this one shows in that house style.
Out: {"hour": 7, "minute": 59}
